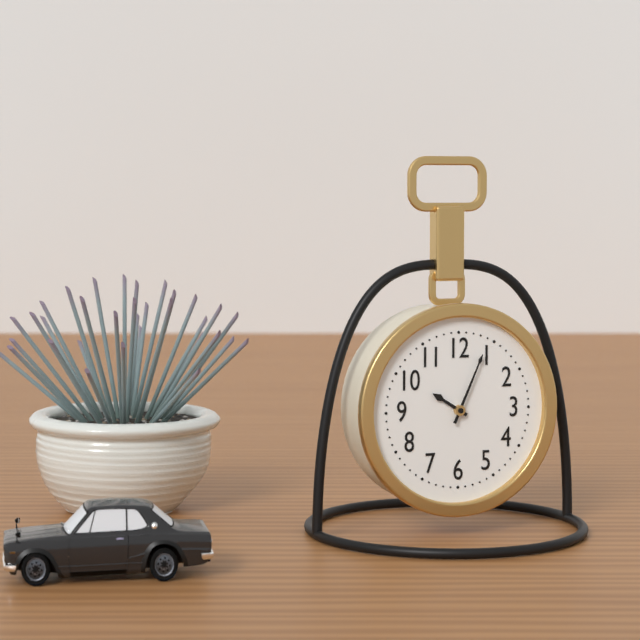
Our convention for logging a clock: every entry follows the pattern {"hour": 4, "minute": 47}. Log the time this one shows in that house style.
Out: {"hour": 10, "minute": 4}
